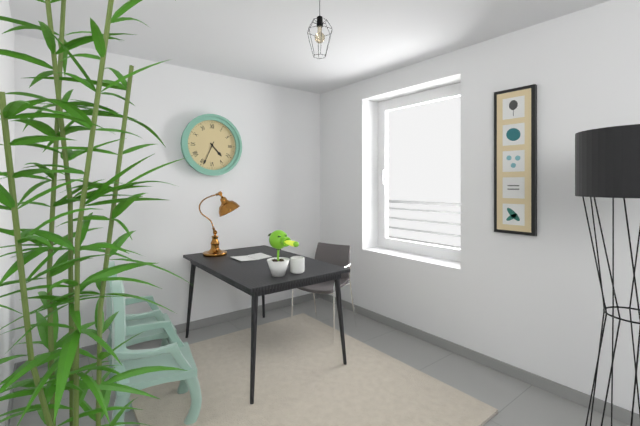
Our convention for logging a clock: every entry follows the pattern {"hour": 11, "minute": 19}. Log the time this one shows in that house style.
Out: {"hour": 4, "minute": 34}
